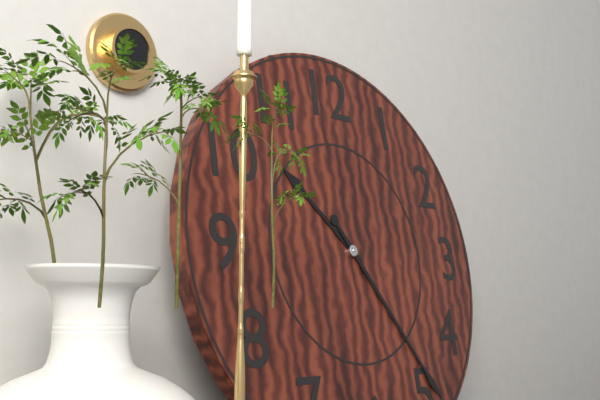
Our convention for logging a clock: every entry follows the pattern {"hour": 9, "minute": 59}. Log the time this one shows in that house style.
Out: {"hour": 10, "minute": 24}
